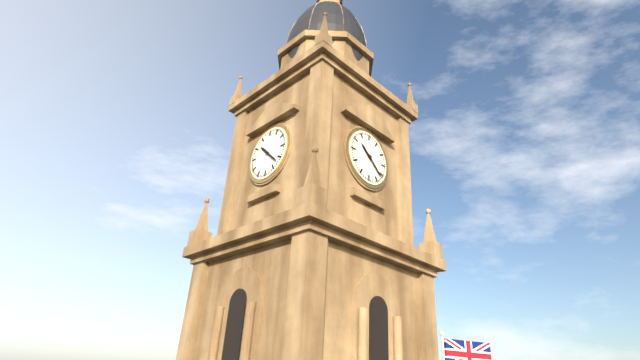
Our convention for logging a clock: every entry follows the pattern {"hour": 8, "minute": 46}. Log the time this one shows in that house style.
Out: {"hour": 10, "minute": 22}
